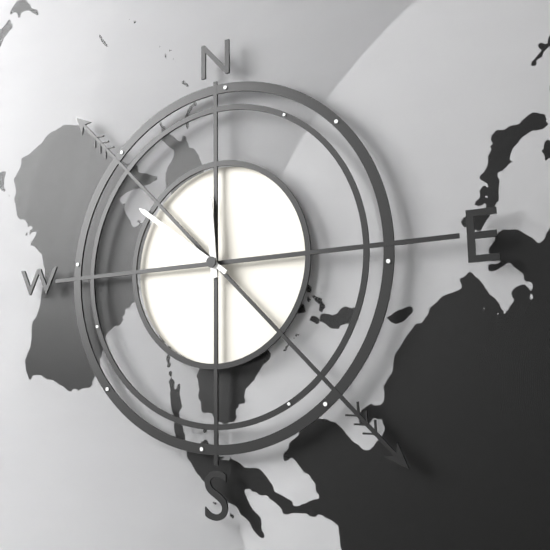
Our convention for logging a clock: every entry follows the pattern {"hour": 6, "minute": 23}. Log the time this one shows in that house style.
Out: {"hour": 11, "minute": 51}
